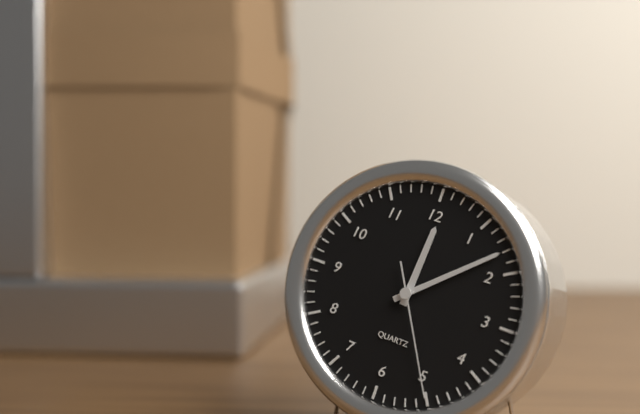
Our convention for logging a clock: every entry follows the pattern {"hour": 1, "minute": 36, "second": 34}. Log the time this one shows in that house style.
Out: {"hour": 12, "minute": 8, "second": 25}
